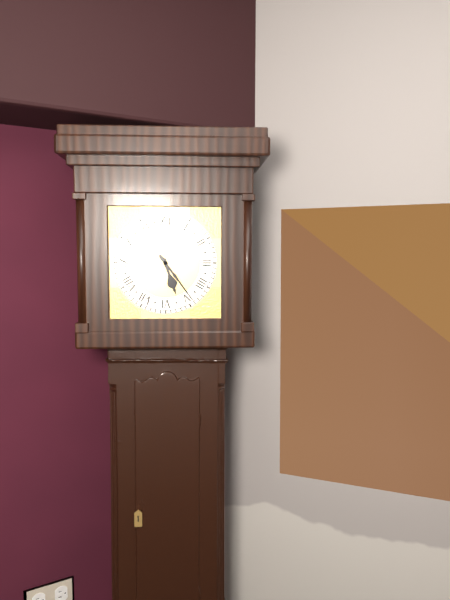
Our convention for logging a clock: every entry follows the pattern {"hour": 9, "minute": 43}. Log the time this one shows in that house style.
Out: {"hour": 5, "minute": 24}
